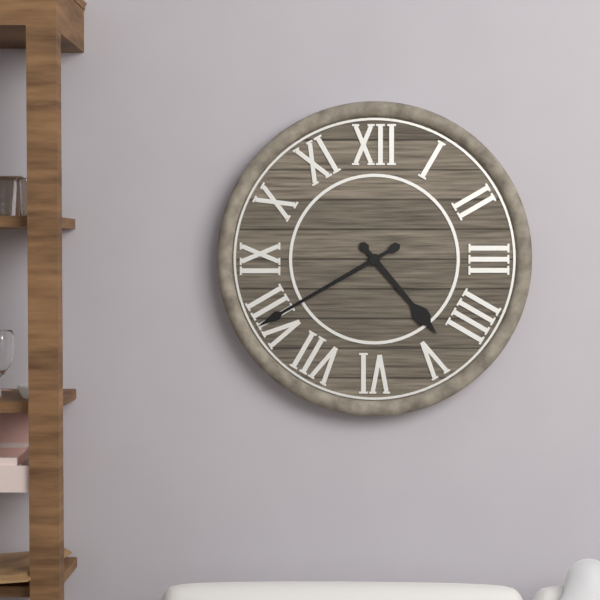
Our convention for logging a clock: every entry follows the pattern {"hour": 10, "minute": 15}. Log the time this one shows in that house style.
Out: {"hour": 4, "minute": 40}
